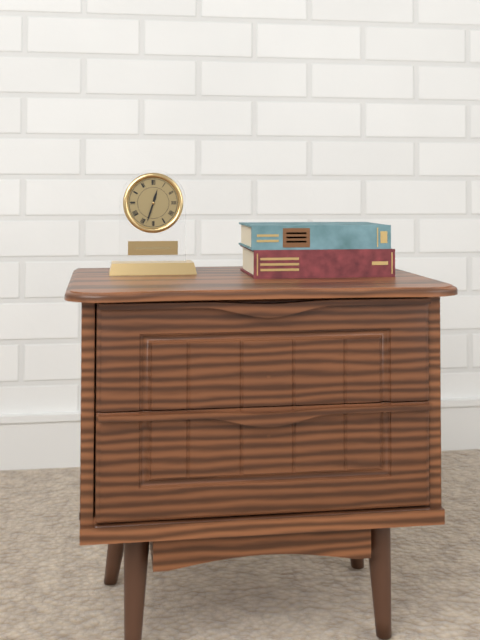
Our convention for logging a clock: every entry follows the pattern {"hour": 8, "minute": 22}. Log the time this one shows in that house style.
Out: {"hour": 12, "minute": 33}
